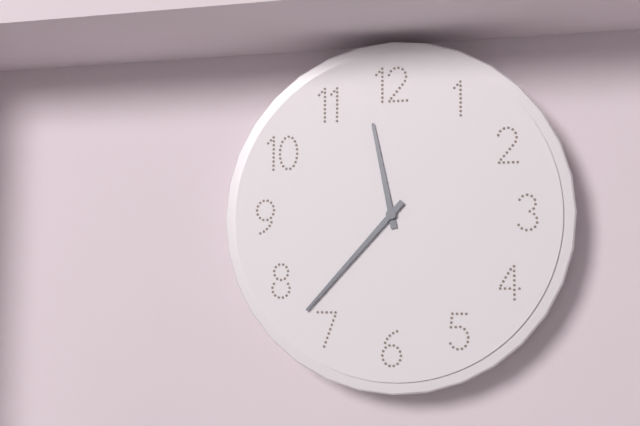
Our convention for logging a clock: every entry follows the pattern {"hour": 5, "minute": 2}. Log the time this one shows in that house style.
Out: {"hour": 11, "minute": 37}
